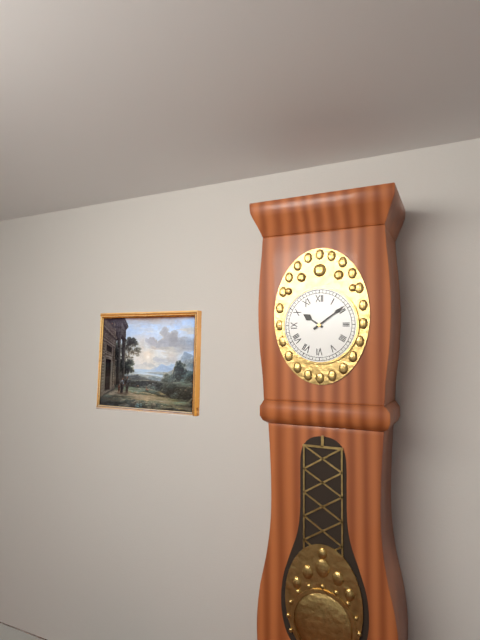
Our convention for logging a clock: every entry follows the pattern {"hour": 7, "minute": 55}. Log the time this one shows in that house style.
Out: {"hour": 10, "minute": 9}
